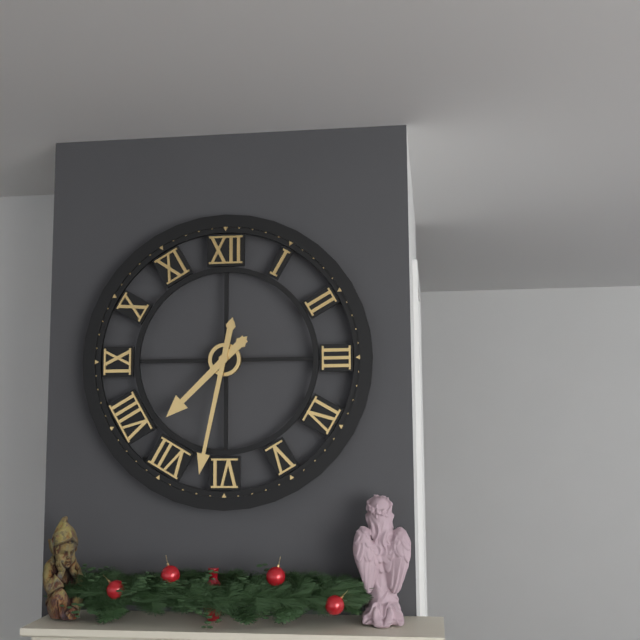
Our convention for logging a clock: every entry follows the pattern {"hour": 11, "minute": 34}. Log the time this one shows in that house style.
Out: {"hour": 7, "minute": 32}
